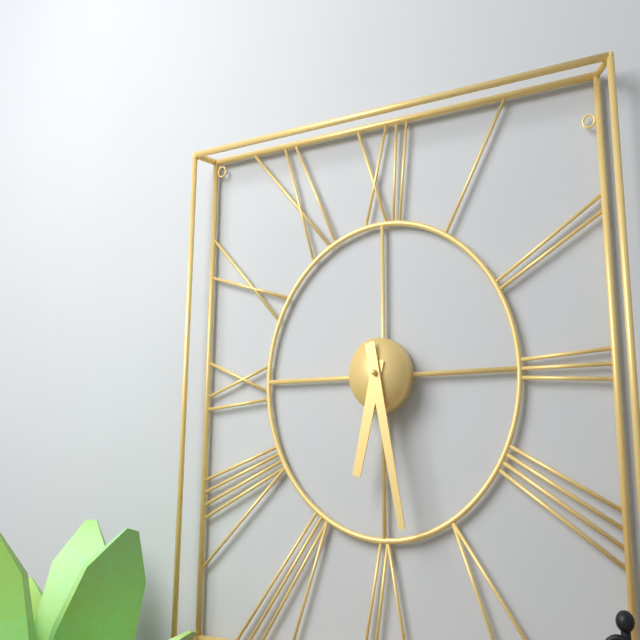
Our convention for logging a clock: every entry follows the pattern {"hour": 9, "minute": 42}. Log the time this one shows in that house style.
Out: {"hour": 6, "minute": 28}
